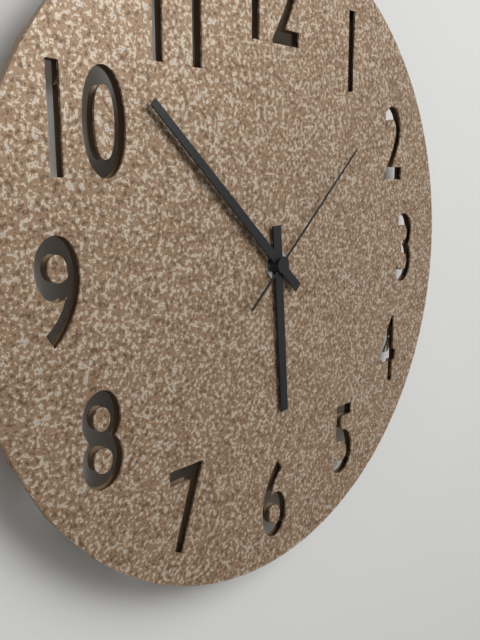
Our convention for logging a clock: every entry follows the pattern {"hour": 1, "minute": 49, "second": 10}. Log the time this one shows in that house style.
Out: {"hour": 5, "minute": 52, "second": 8}
